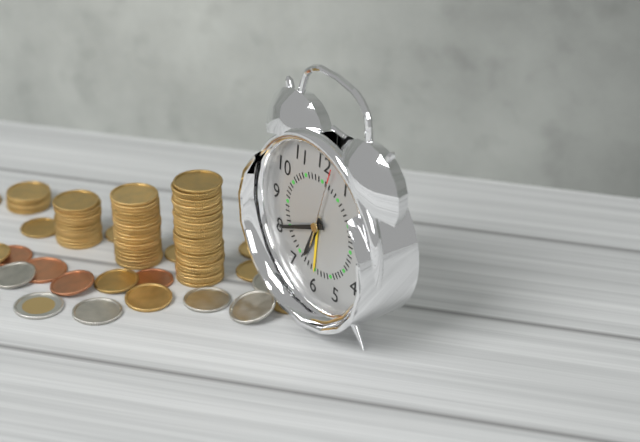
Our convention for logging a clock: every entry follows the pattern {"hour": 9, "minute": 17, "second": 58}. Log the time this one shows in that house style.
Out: {"hour": 6, "minute": 40, "second": 2}
